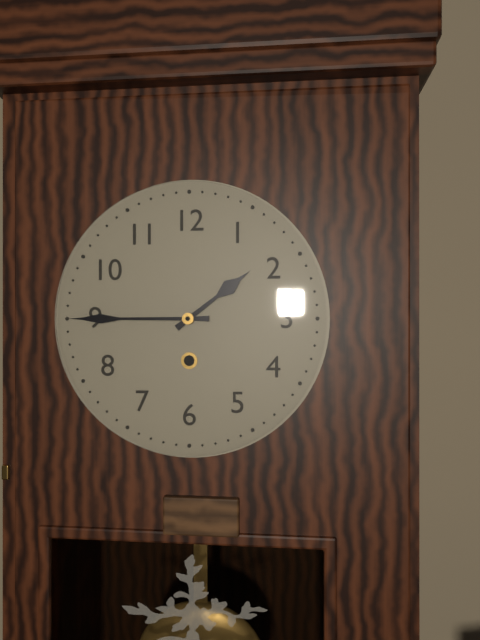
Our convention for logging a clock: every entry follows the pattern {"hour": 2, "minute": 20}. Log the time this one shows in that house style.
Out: {"hour": 1, "minute": 45}
